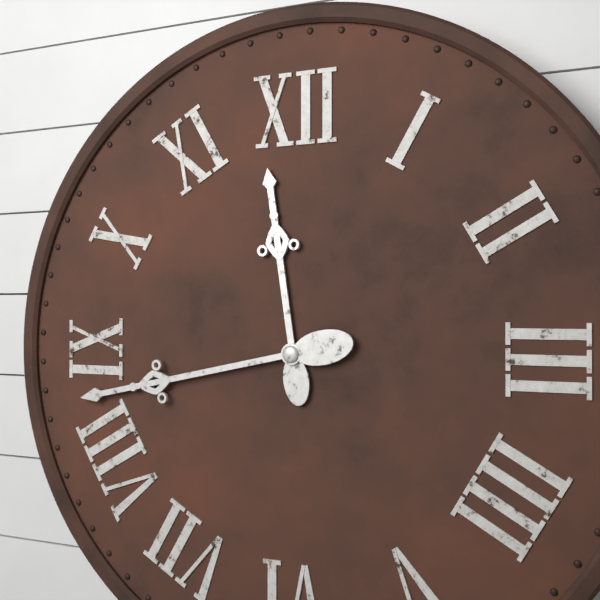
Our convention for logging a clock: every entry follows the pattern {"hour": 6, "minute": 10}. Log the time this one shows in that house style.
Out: {"hour": 11, "minute": 43}
